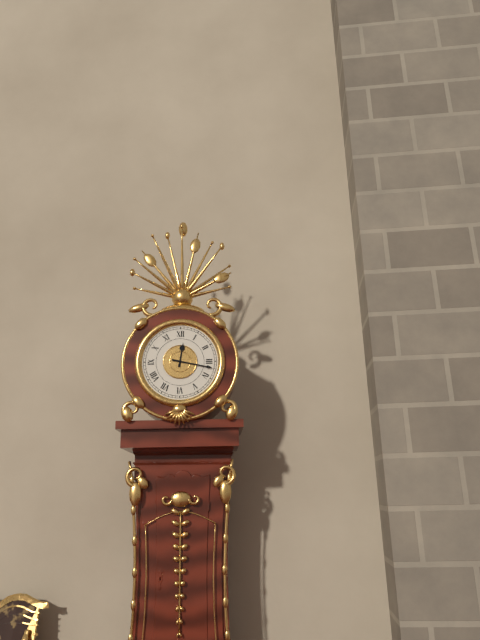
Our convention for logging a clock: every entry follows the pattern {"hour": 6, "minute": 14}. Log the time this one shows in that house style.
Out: {"hour": 12, "minute": 17}
